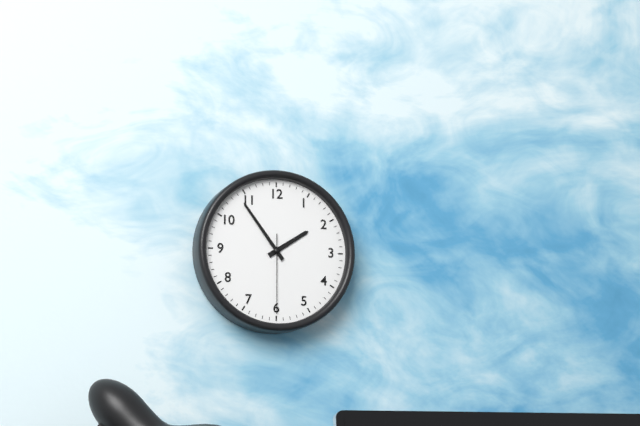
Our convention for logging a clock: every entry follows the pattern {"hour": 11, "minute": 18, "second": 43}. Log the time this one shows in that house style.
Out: {"hour": 1, "minute": 54, "second": 30}
